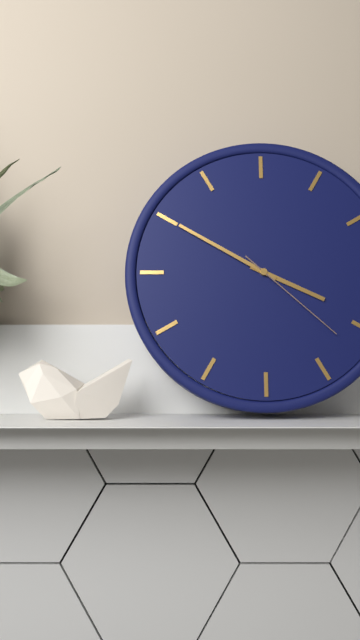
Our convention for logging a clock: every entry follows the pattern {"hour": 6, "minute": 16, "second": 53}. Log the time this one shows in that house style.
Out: {"hour": 3, "minute": 50, "second": 22}
